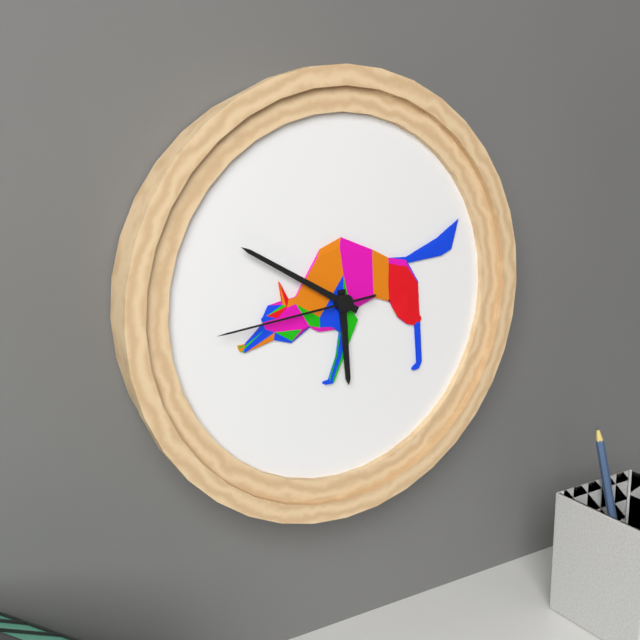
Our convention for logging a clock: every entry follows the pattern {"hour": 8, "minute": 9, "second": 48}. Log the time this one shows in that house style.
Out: {"hour": 5, "minute": 50, "second": 44}
